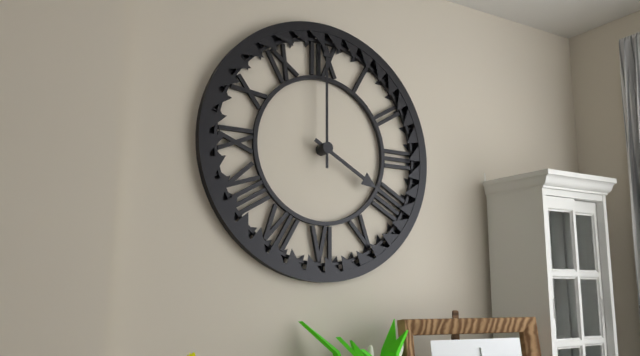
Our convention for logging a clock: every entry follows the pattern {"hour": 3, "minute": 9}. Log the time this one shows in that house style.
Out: {"hour": 4, "minute": 0}
